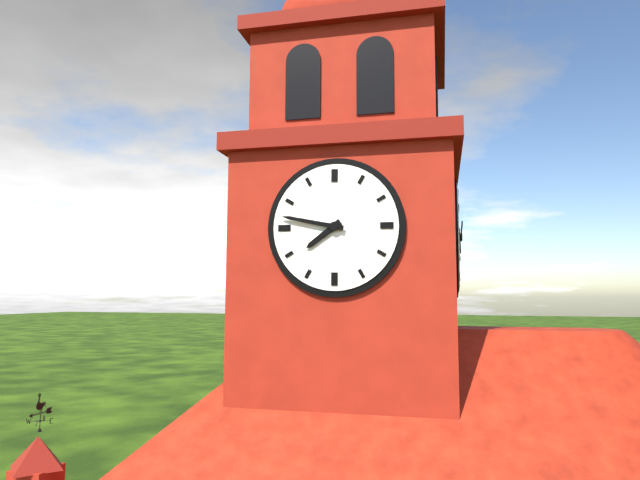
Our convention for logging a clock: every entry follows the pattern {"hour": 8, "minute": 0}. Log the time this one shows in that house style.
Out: {"hour": 7, "minute": 47}
